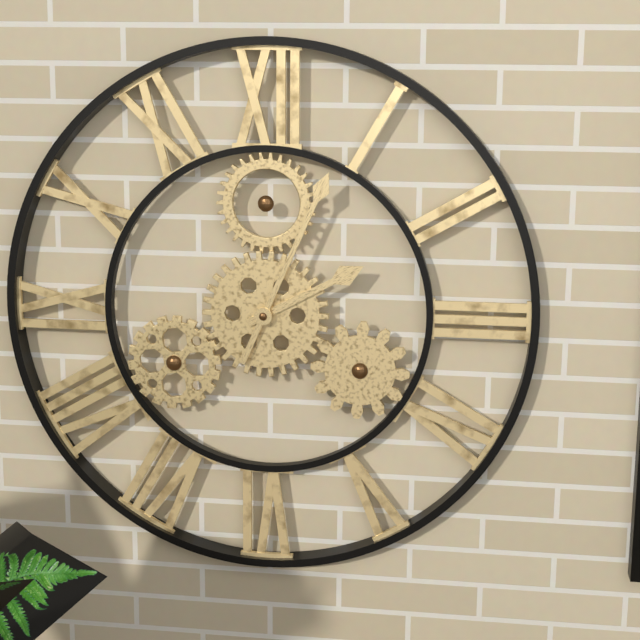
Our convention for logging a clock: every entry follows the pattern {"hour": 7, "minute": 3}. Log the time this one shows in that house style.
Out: {"hour": 2, "minute": 4}
